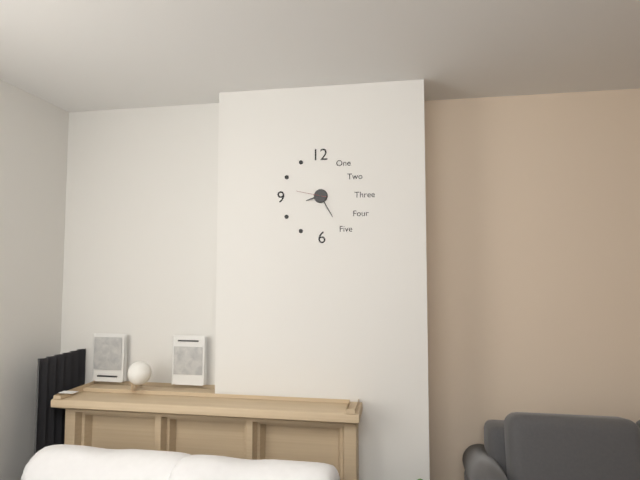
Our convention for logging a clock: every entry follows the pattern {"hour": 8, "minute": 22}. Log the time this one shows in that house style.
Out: {"hour": 8, "minute": 25}
